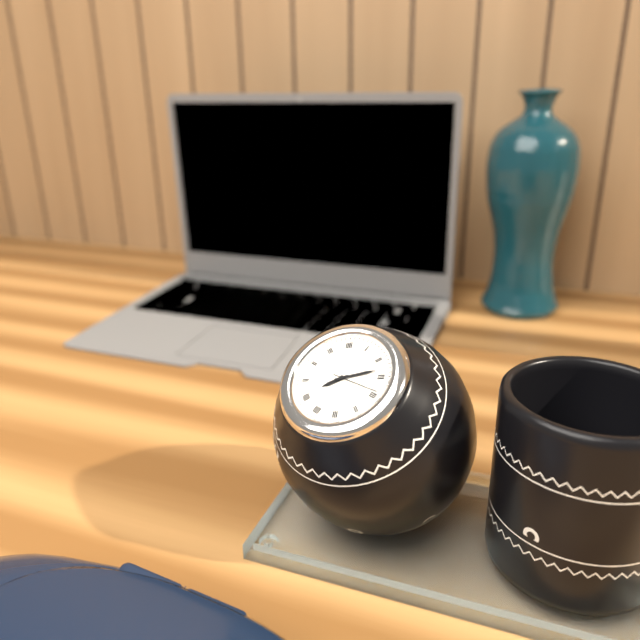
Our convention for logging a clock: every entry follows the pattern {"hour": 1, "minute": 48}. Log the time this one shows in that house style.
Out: {"hour": 8, "minute": 13}
